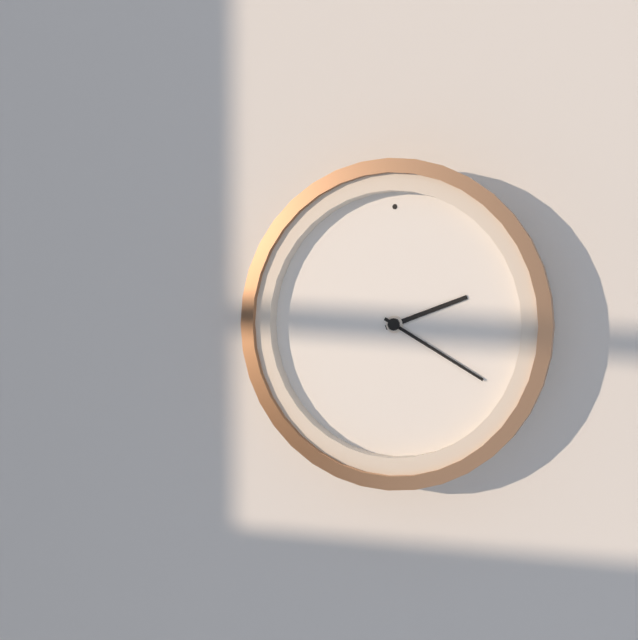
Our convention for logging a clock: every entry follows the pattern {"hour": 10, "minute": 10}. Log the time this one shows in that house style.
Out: {"hour": 2, "minute": 20}
